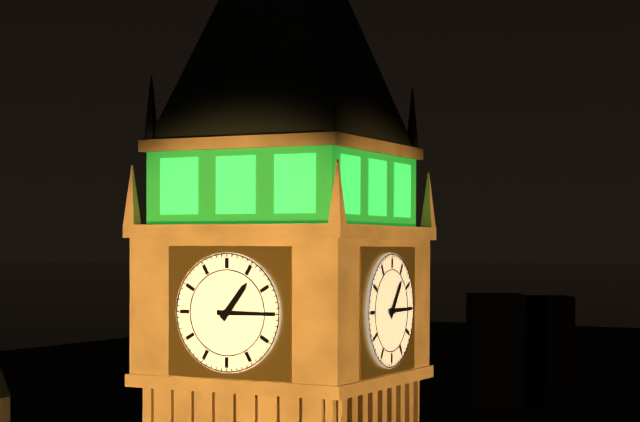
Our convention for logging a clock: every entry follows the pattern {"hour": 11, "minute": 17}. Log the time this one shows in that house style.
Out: {"hour": 1, "minute": 15}
